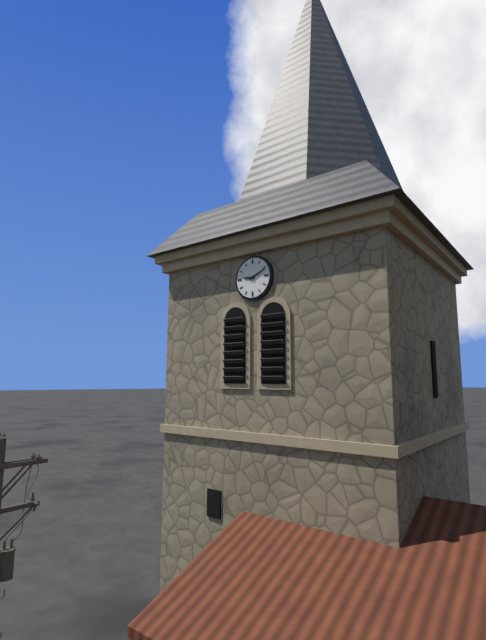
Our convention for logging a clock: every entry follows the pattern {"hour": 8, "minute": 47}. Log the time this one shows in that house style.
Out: {"hour": 9, "minute": 11}
